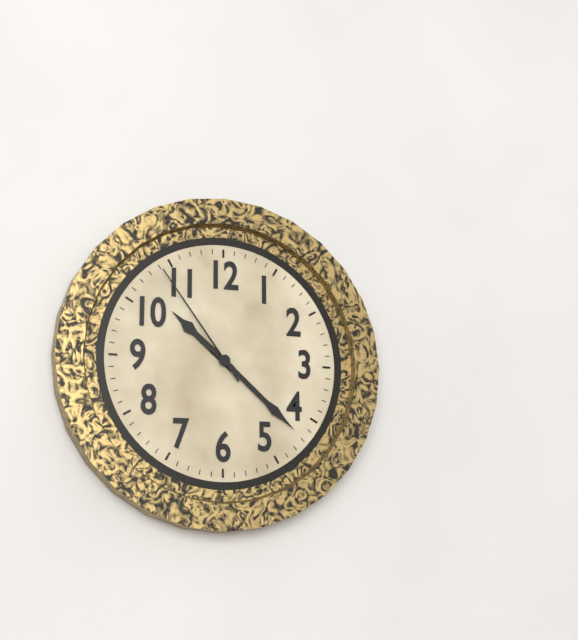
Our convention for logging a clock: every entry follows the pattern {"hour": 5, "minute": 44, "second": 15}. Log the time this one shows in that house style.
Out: {"hour": 10, "minute": 22, "second": 54}
